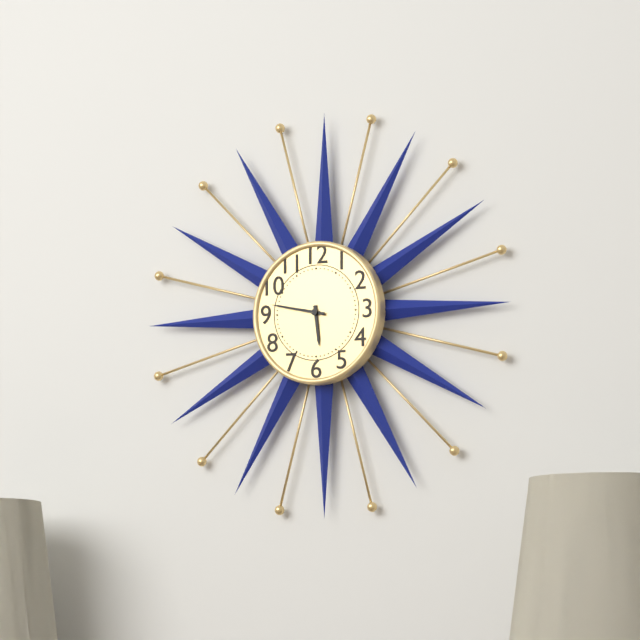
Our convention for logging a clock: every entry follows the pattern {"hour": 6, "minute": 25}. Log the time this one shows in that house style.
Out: {"hour": 5, "minute": 47}
